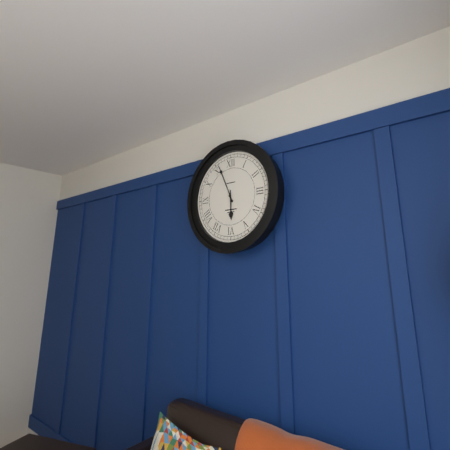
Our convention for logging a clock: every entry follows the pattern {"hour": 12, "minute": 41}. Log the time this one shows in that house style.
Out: {"hour": 5, "minute": 56}
